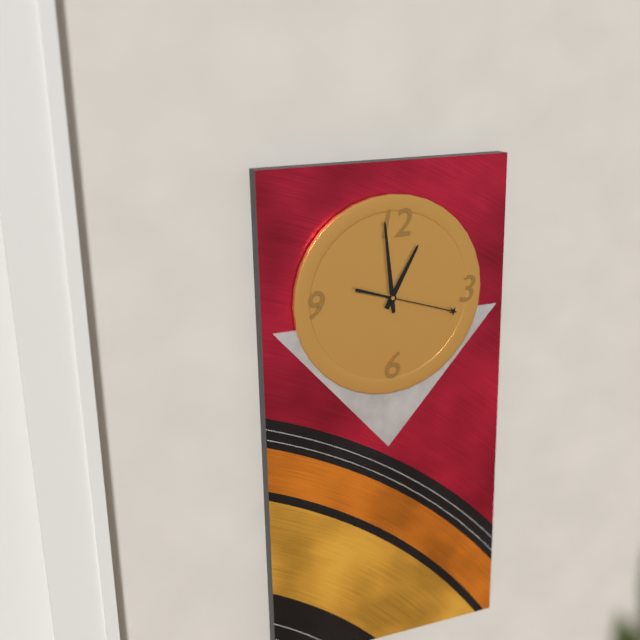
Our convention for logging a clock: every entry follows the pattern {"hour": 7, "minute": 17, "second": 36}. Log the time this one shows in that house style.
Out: {"hour": 12, "minute": 59, "second": 18}
